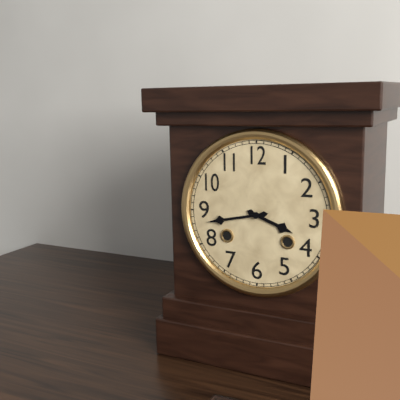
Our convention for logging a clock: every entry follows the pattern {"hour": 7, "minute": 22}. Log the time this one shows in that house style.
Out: {"hour": 3, "minute": 43}
